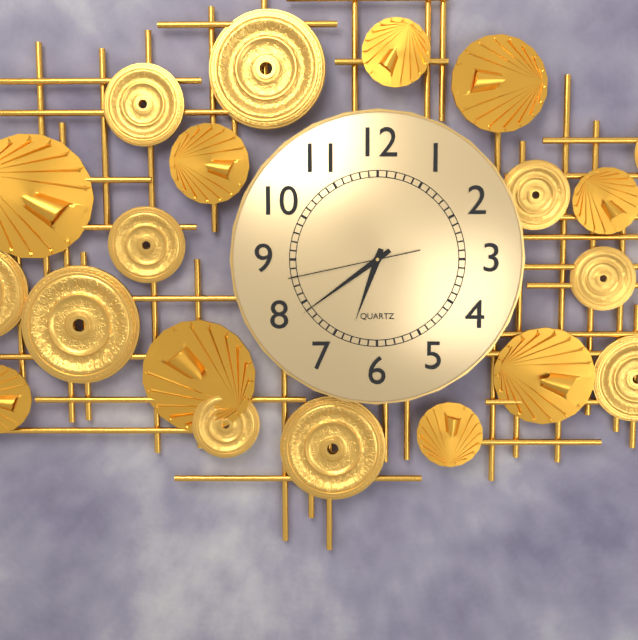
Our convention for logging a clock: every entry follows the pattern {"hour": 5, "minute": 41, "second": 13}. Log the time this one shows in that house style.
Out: {"hour": 6, "minute": 39, "second": 43}
